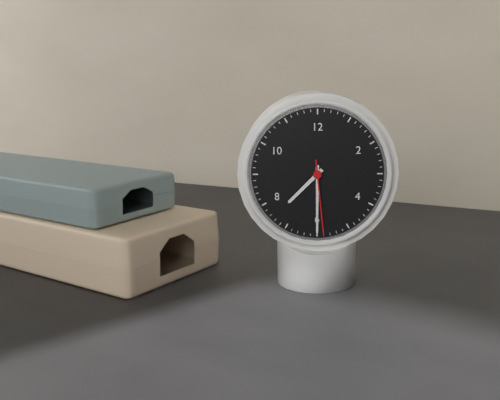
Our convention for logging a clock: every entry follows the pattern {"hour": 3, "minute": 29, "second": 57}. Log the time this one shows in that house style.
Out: {"hour": 7, "minute": 30, "second": 29}
